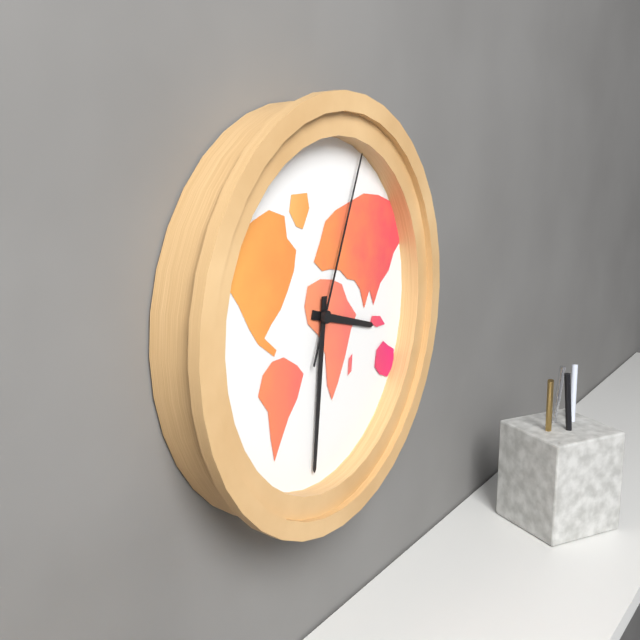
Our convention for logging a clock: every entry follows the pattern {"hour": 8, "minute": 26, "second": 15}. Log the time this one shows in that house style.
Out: {"hour": 3, "minute": 31, "second": 4}
